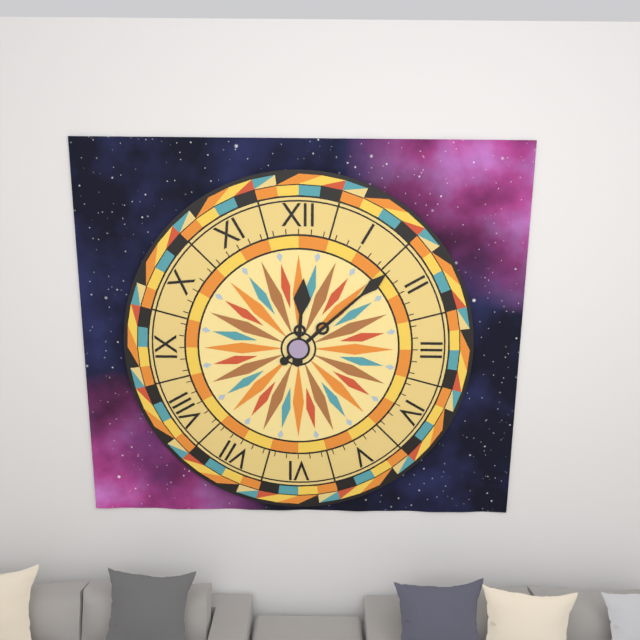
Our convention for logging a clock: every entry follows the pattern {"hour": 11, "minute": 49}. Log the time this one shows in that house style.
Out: {"hour": 12, "minute": 8}
